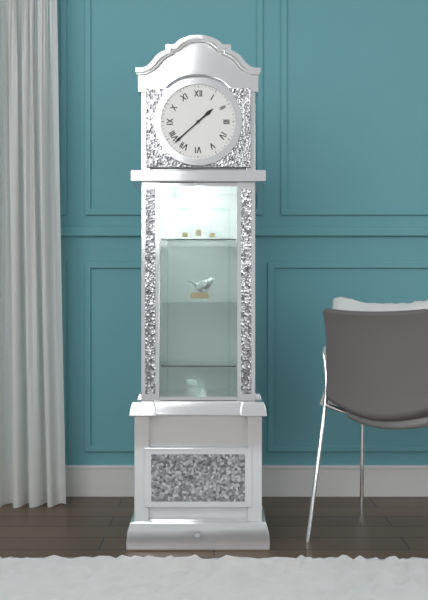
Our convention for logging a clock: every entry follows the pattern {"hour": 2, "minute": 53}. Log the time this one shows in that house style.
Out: {"hour": 1, "minute": 38}
